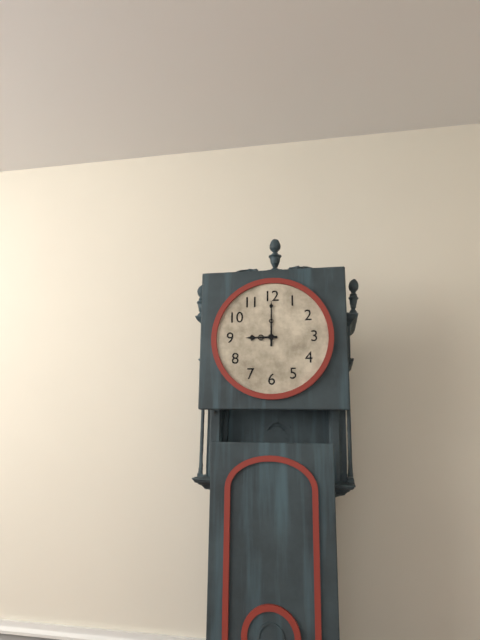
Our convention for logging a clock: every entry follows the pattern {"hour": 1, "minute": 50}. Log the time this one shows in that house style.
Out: {"hour": 9, "minute": 0}
